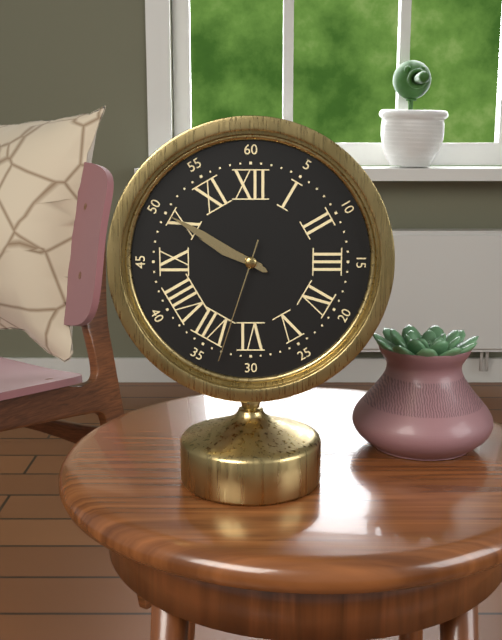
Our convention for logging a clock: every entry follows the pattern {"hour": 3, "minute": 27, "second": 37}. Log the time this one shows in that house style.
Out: {"hour": 9, "minute": 50, "second": 33}
